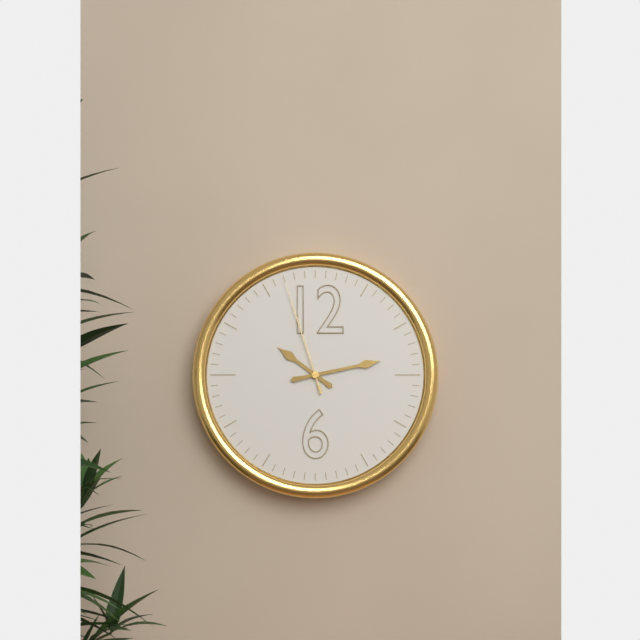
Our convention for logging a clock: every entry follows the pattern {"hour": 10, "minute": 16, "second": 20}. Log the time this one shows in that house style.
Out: {"hour": 10, "minute": 13, "second": 57}
